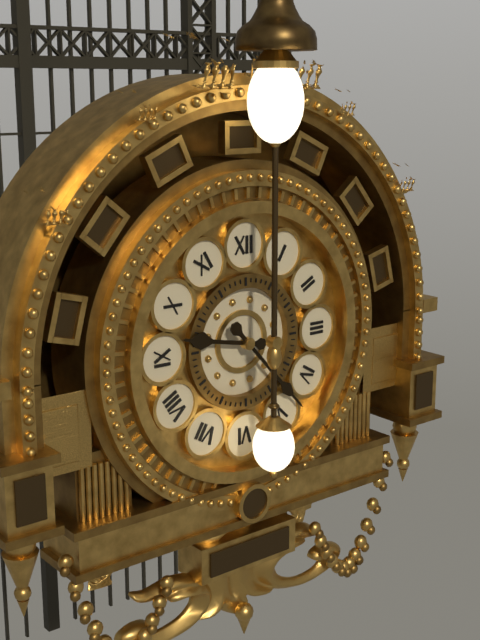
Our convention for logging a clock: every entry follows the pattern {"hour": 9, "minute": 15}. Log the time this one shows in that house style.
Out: {"hour": 9, "minute": 23}
